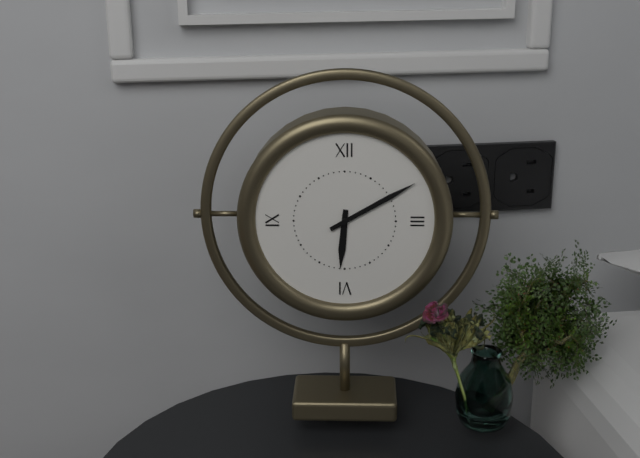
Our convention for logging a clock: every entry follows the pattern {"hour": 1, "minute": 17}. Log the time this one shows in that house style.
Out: {"hour": 6, "minute": 10}
